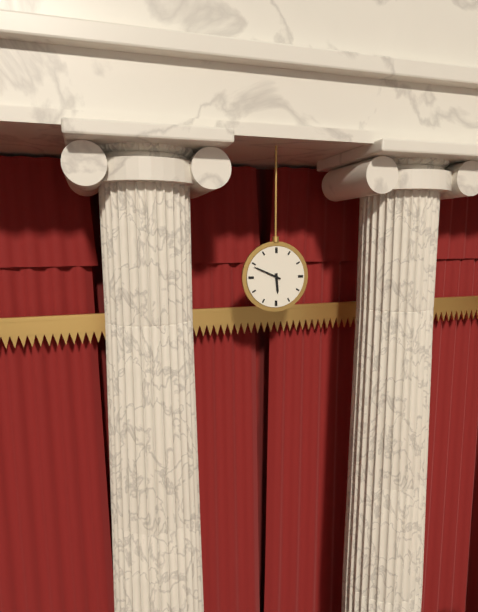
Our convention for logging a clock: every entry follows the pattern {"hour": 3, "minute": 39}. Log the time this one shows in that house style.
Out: {"hour": 5, "minute": 49}
